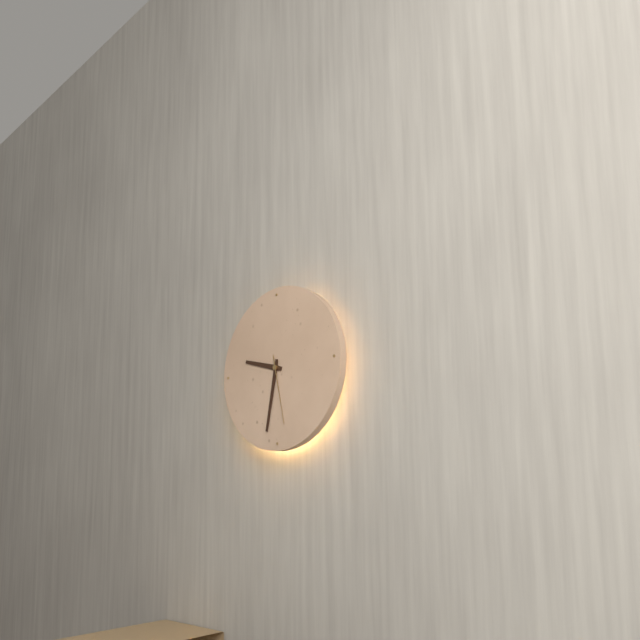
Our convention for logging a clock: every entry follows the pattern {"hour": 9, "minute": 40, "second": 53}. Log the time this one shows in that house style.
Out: {"hour": 9, "minute": 32, "second": 28}
